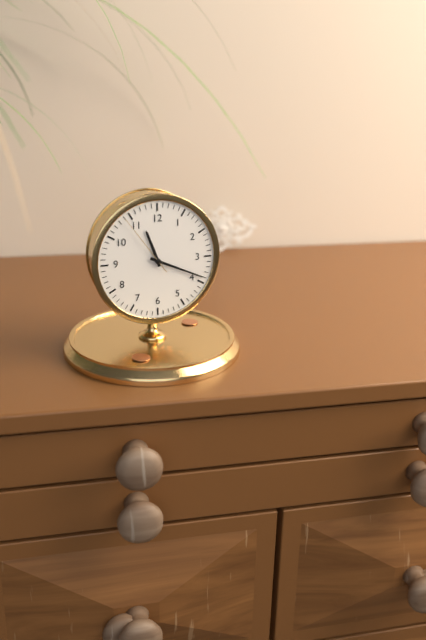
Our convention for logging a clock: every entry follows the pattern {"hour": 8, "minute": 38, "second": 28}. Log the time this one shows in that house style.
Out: {"hour": 11, "minute": 19, "second": 54}
